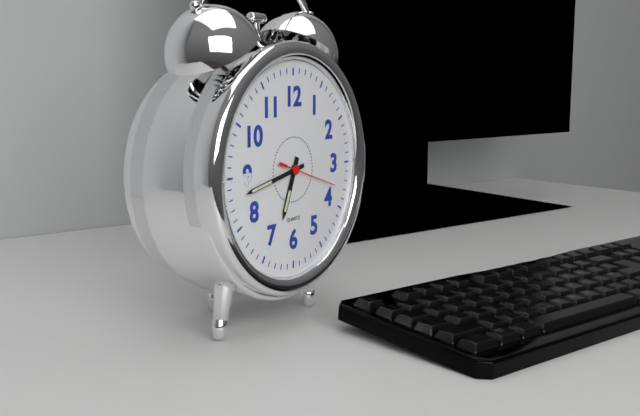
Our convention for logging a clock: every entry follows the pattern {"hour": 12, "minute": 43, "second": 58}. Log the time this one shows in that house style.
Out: {"hour": 6, "minute": 43, "second": 18}
